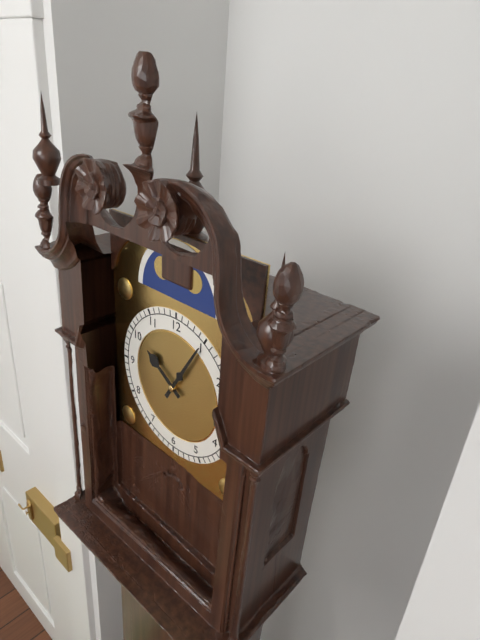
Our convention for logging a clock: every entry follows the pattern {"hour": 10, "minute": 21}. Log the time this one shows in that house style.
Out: {"hour": 10, "minute": 5}
